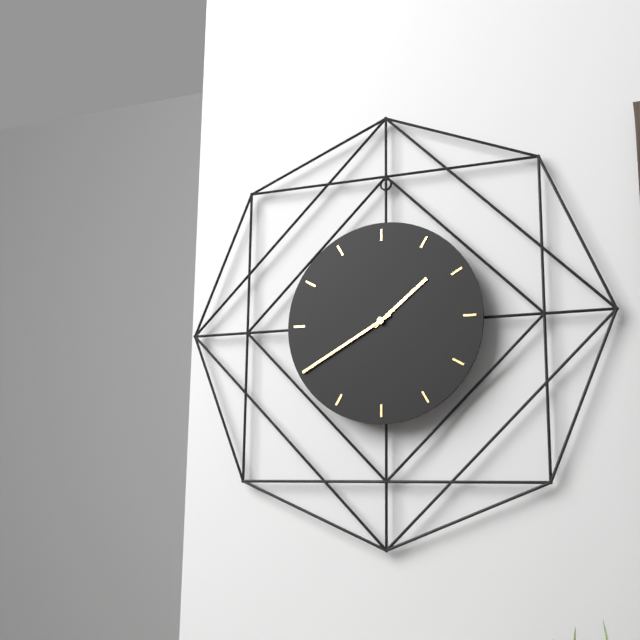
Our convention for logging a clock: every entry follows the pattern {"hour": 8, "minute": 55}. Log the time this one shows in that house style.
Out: {"hour": 1, "minute": 40}
